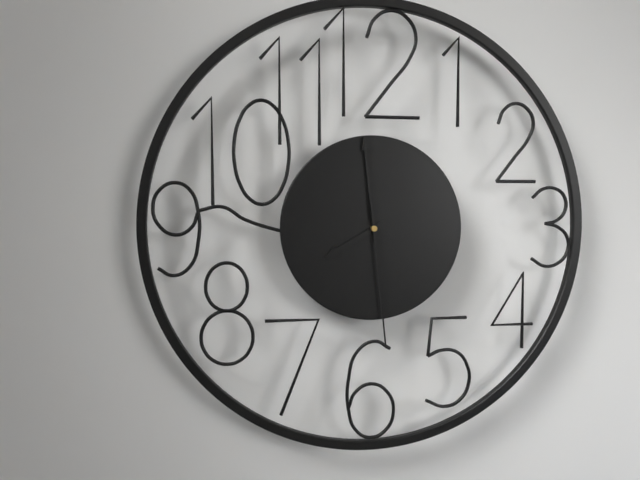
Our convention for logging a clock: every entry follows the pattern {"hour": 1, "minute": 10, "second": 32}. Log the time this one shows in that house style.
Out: {"hour": 7, "minute": 59, "second": 29}
